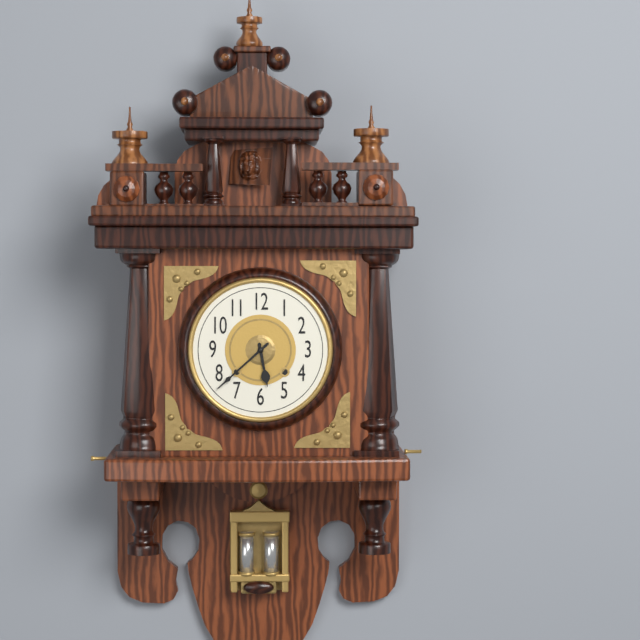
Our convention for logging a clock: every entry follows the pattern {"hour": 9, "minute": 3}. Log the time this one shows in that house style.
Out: {"hour": 5, "minute": 38}
